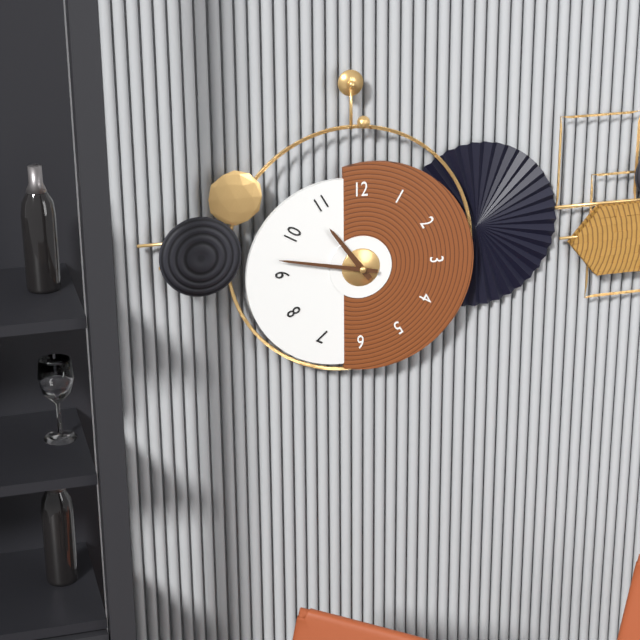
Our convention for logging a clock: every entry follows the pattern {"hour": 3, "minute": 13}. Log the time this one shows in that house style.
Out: {"hour": 10, "minute": 47}
